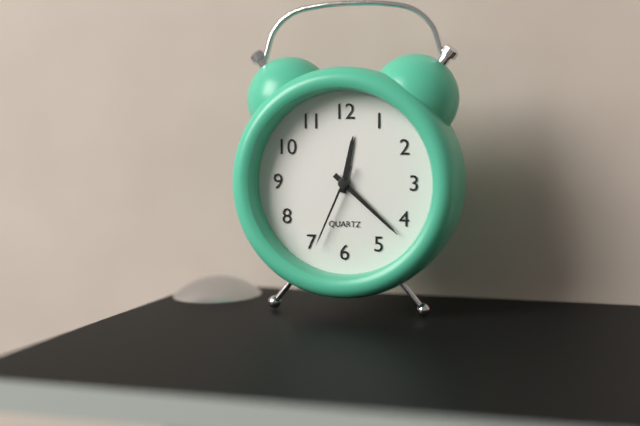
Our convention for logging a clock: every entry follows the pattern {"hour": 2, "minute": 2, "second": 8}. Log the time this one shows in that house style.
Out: {"hour": 12, "minute": 22, "second": 34}
